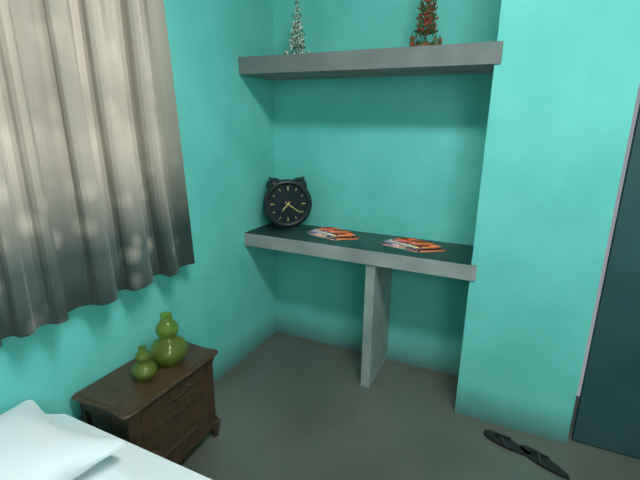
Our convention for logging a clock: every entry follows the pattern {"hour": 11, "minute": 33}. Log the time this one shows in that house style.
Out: {"hour": 7, "minute": 21}
